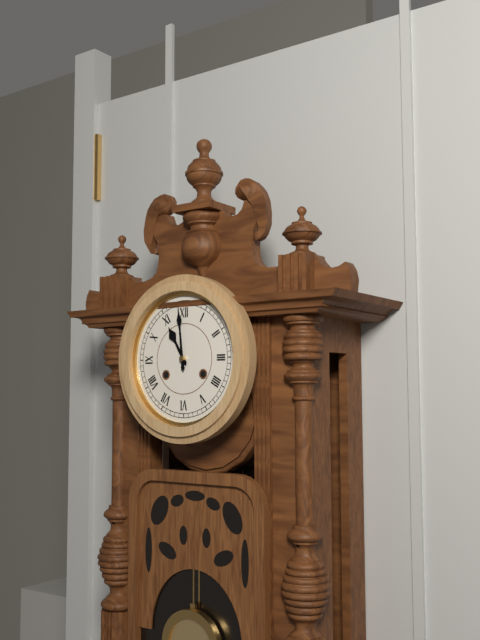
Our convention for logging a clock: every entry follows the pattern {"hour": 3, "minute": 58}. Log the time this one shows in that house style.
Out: {"hour": 10, "minute": 59}
